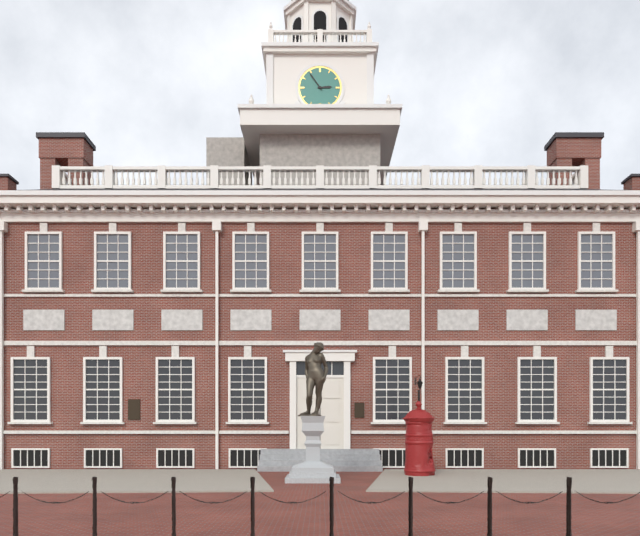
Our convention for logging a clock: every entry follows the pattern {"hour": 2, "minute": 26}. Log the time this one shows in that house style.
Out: {"hour": 2, "minute": 54}
